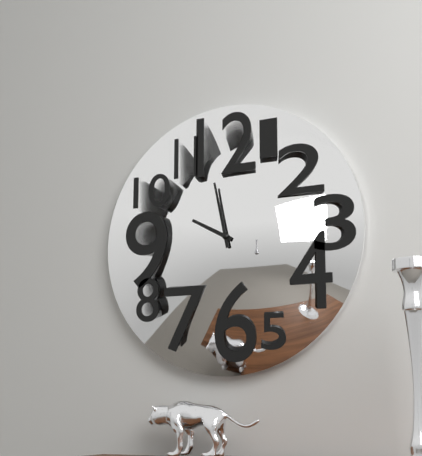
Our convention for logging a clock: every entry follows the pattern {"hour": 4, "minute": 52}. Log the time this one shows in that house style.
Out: {"hour": 9, "minute": 58}
